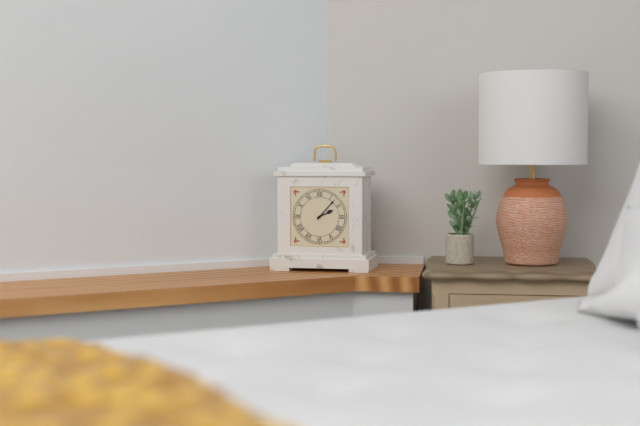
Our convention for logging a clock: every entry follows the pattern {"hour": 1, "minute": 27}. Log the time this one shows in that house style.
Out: {"hour": 2, "minute": 7}
